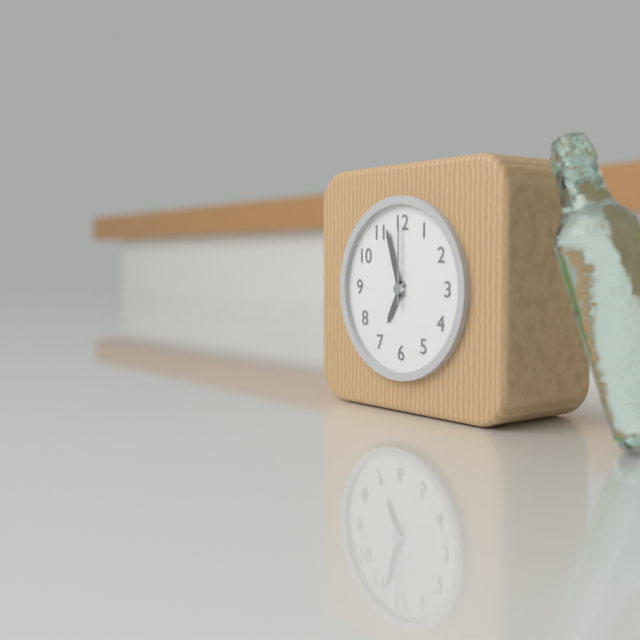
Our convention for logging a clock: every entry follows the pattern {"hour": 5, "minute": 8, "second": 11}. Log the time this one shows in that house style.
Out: {"hour": 6, "minute": 57, "second": 0}
